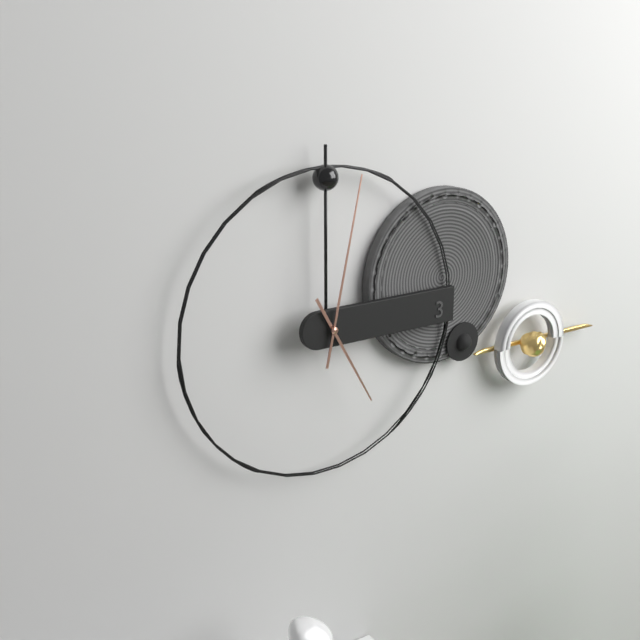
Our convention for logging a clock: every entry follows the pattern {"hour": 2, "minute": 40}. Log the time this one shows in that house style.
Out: {"hour": 5, "minute": 2}
